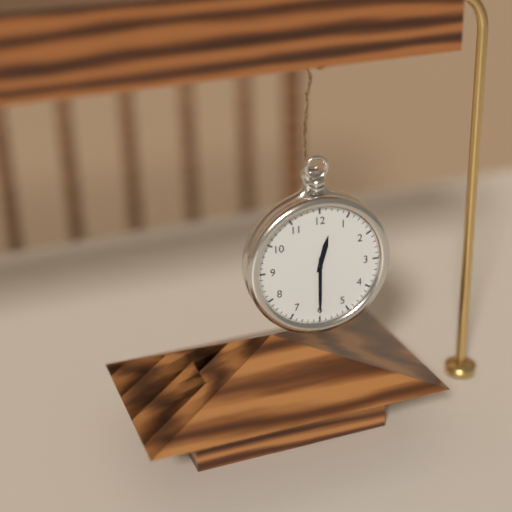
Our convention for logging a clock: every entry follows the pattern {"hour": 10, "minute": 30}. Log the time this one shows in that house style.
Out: {"hour": 12, "minute": 30}
